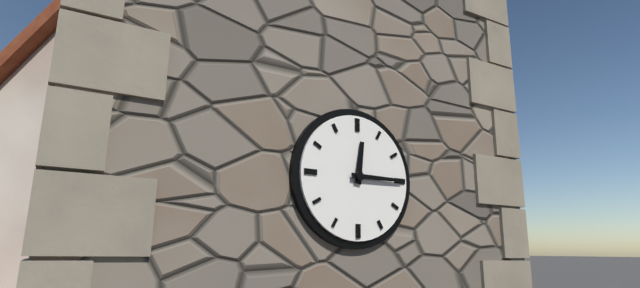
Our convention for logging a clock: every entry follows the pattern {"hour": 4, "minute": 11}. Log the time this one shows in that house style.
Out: {"hour": 12, "minute": 15}
